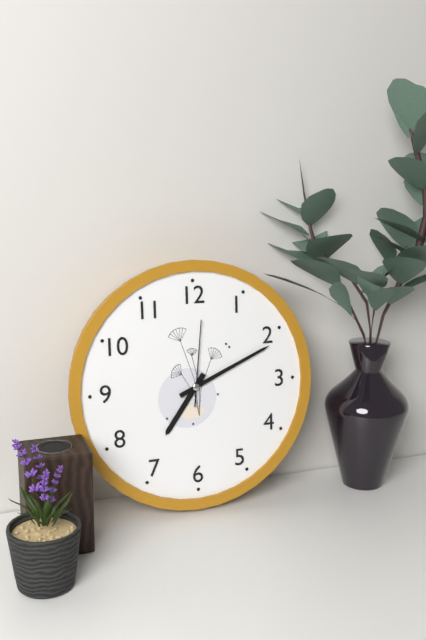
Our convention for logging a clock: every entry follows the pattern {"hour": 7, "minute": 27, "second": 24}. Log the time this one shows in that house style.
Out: {"hour": 7, "minute": 11, "second": 1}
